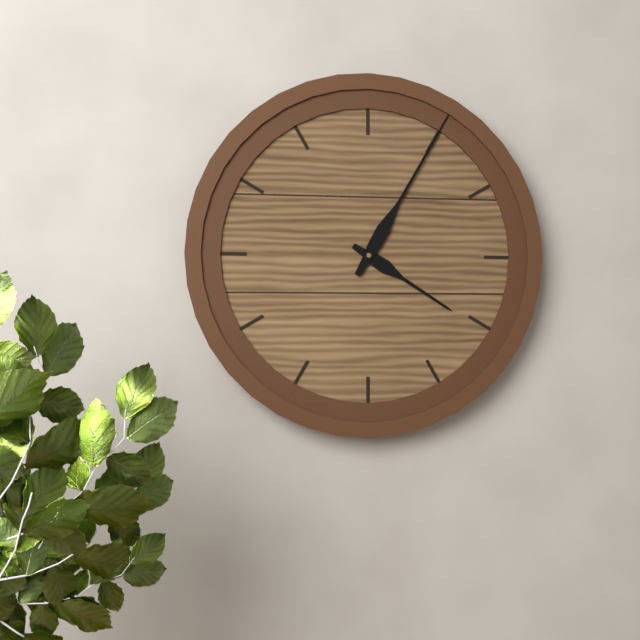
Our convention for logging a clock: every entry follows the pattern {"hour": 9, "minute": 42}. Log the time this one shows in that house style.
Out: {"hour": 4, "minute": 5}
